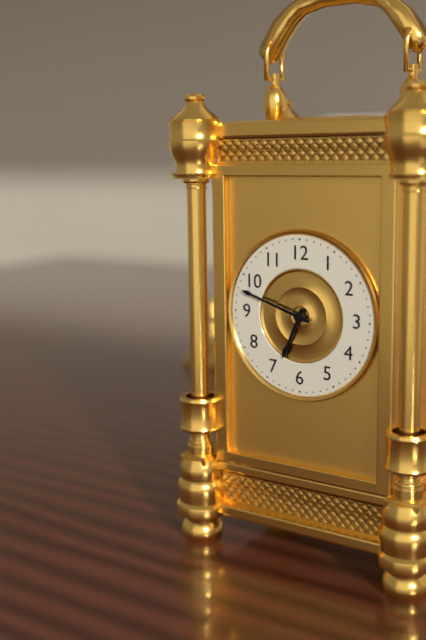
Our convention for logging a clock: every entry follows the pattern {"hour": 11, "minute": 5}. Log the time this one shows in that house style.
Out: {"hour": 6, "minute": 48}
